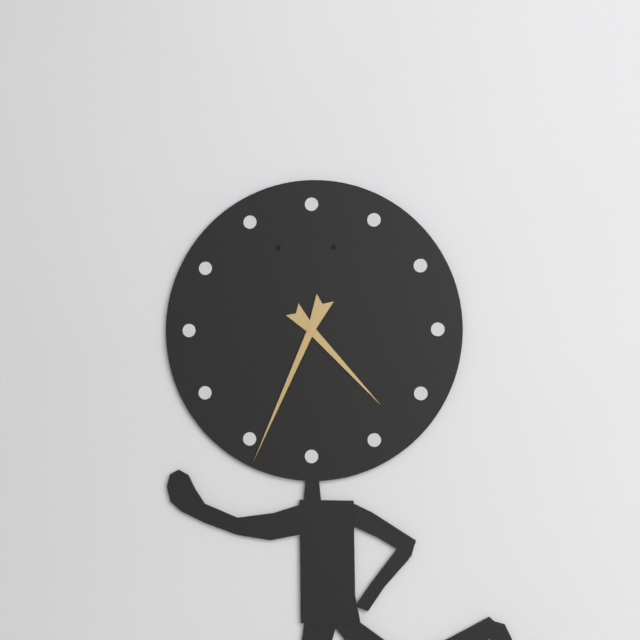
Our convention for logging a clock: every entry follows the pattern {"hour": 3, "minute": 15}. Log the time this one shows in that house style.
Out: {"hour": 4, "minute": 34}
